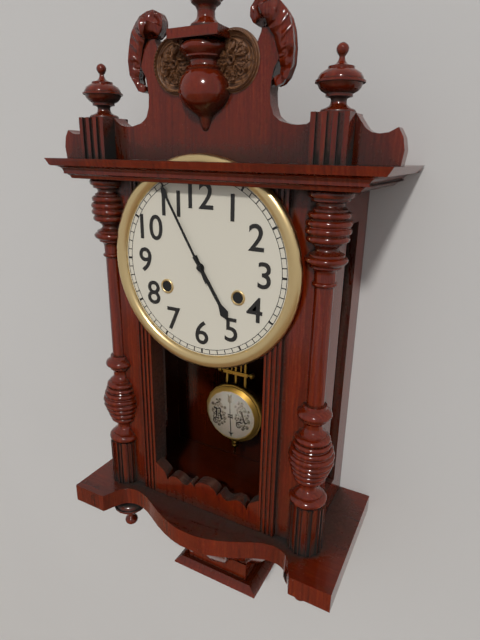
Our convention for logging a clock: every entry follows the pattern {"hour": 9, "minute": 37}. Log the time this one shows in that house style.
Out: {"hour": 4, "minute": 55}
